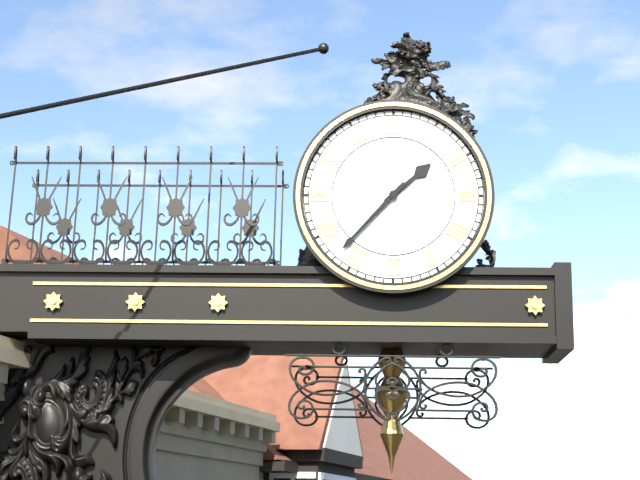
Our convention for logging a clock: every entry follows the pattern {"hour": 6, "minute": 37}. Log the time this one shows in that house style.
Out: {"hour": 1, "minute": 37}
